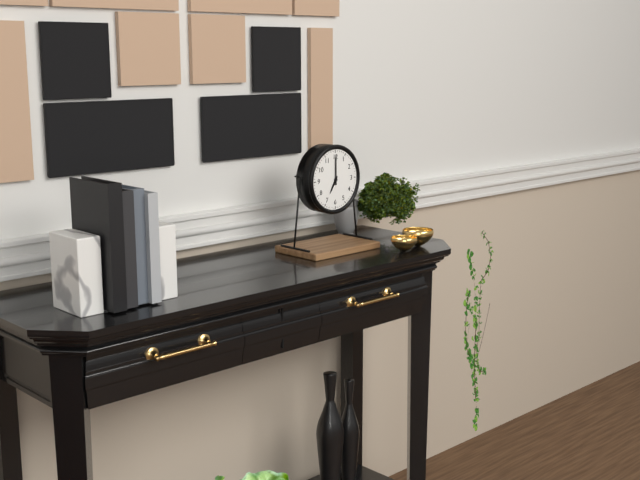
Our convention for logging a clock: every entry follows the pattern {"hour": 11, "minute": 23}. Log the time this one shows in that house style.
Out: {"hour": 7, "minute": 0}
